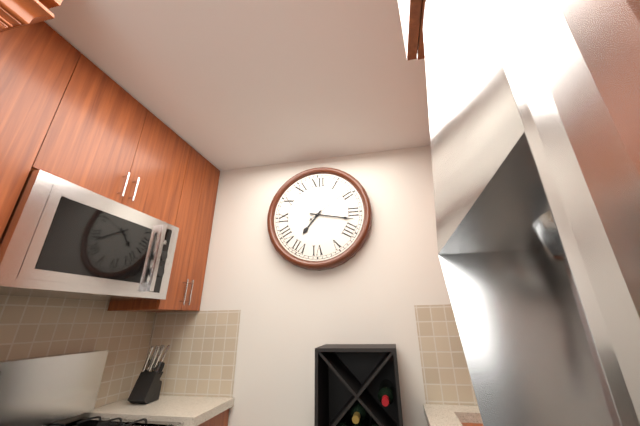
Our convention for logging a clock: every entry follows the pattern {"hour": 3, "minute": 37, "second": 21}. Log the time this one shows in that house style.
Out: {"hour": 7, "minute": 17, "second": 9}
